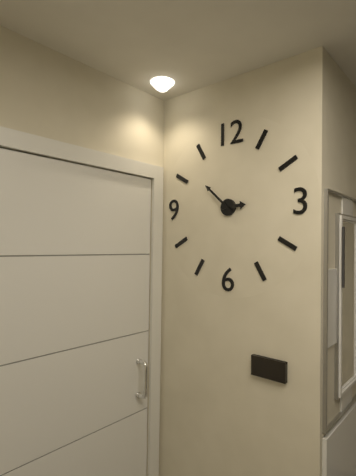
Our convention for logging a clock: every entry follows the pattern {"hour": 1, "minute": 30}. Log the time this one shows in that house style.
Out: {"hour": 2, "minute": 52}
